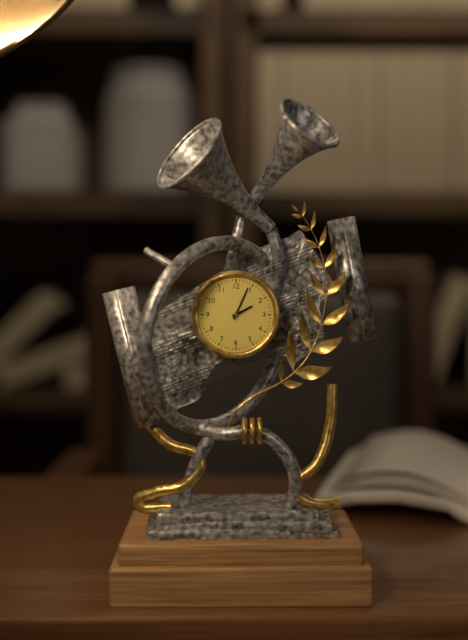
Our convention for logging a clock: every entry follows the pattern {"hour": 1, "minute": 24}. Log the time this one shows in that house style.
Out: {"hour": 2, "minute": 4}
